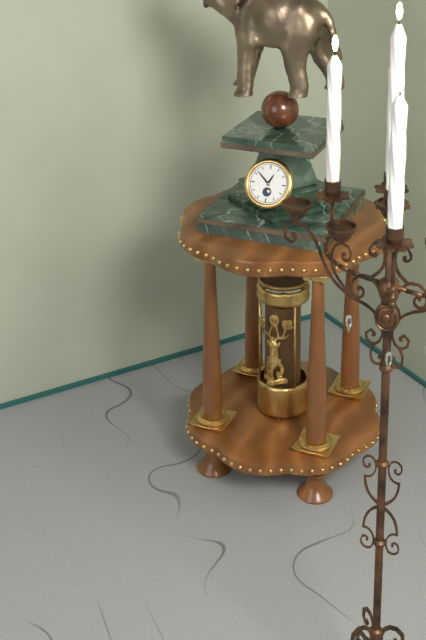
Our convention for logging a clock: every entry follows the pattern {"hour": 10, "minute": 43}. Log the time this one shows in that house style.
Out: {"hour": 12, "minute": 52}
